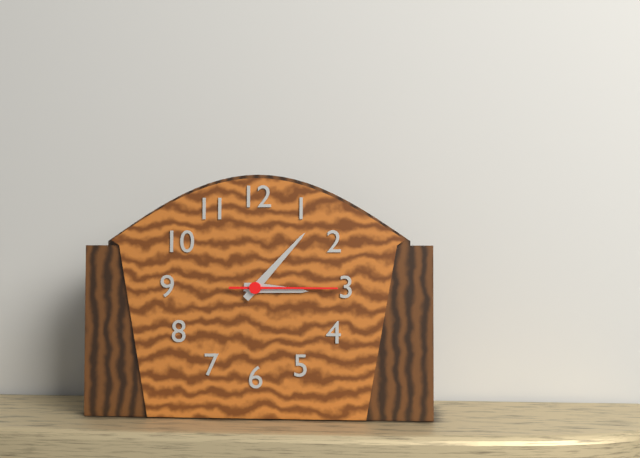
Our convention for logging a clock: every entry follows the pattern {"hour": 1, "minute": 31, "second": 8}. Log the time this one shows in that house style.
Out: {"hour": 3, "minute": 7, "second": 15}
